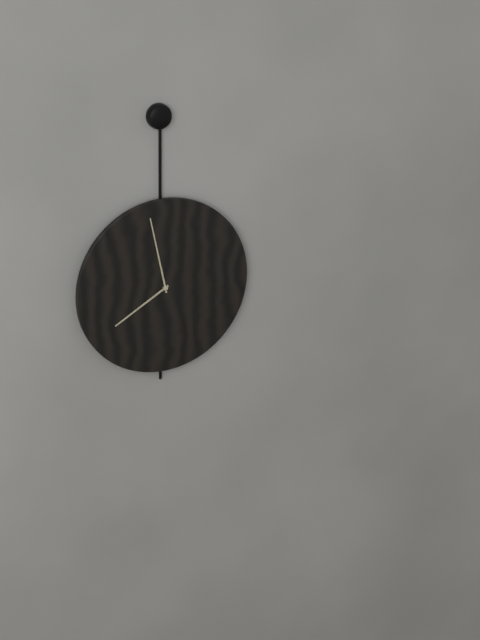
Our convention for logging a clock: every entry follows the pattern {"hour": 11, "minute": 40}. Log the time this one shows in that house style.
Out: {"hour": 7, "minute": 58}
